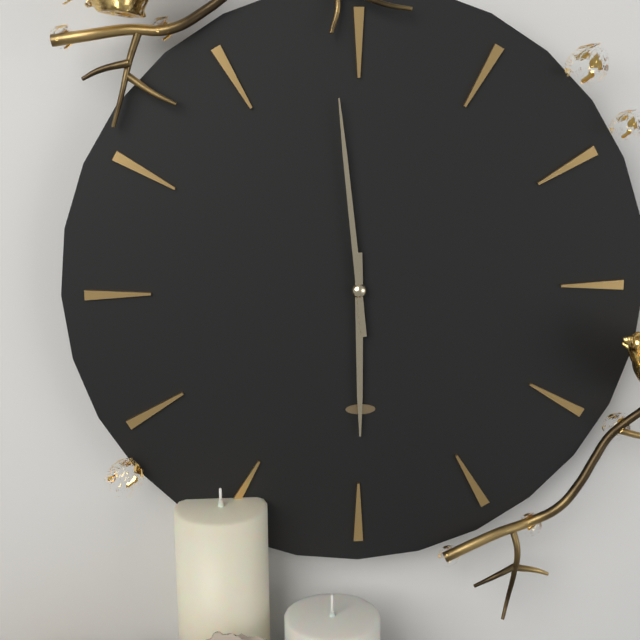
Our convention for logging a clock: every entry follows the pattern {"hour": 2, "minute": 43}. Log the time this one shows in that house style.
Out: {"hour": 5, "minute": 59}
